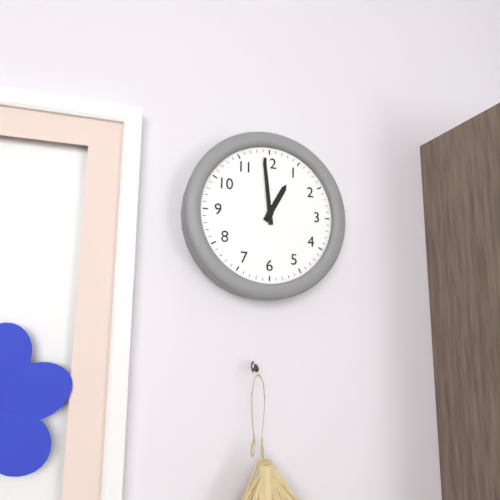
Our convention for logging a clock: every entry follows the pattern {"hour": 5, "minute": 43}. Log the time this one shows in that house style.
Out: {"hour": 12, "minute": 59}
